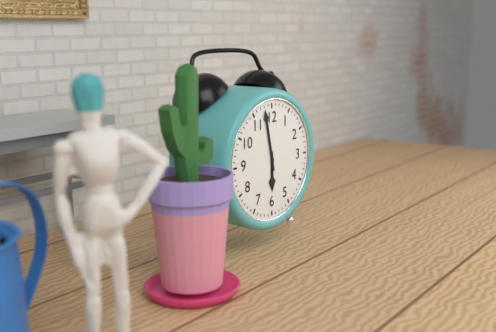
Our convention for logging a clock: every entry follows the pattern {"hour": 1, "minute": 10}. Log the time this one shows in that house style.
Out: {"hour": 5, "minute": 58}
